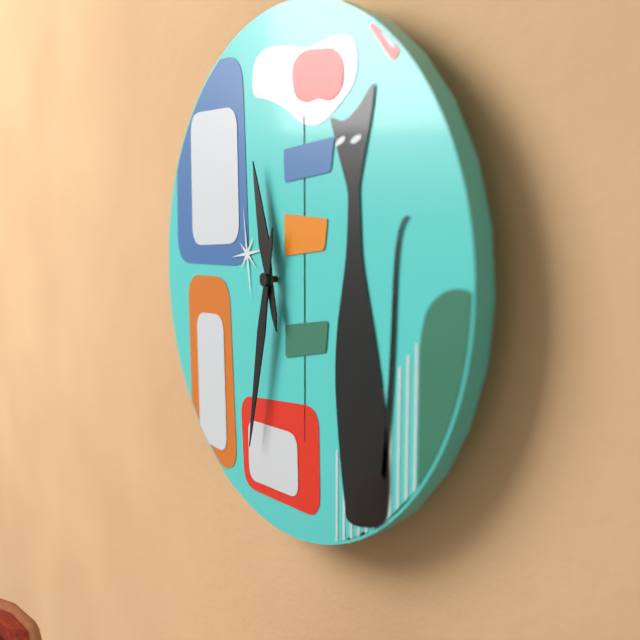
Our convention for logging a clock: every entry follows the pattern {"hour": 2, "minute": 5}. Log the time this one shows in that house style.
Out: {"hour": 11, "minute": 32}
